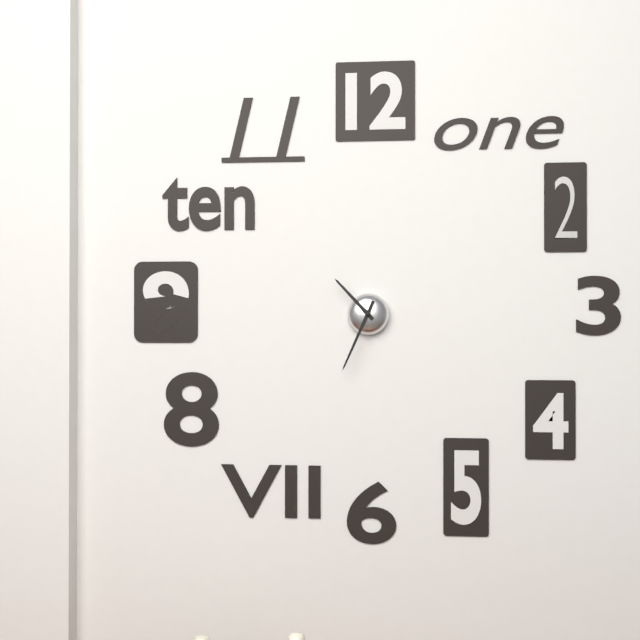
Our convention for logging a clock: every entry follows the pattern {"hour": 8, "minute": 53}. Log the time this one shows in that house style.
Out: {"hour": 10, "minute": 34}
